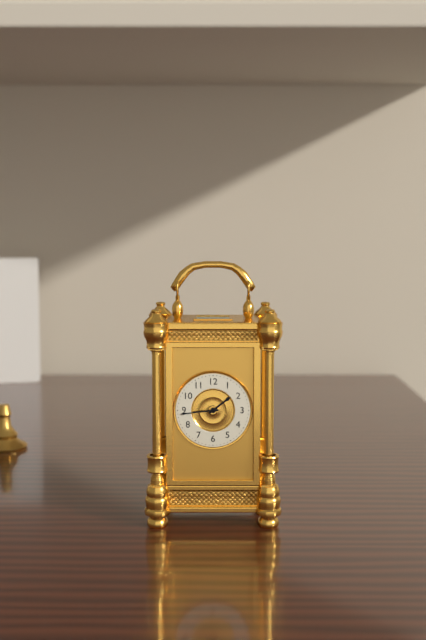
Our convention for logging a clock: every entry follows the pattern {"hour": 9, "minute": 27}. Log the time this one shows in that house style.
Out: {"hour": 1, "minute": 44}
